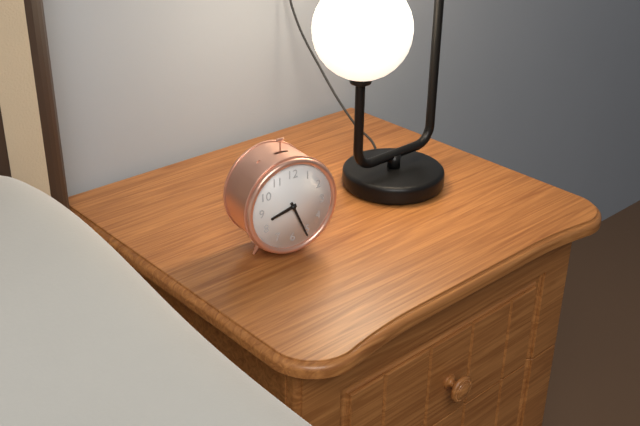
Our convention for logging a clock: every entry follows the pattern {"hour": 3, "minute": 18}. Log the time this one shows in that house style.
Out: {"hour": 8, "minute": 26}
